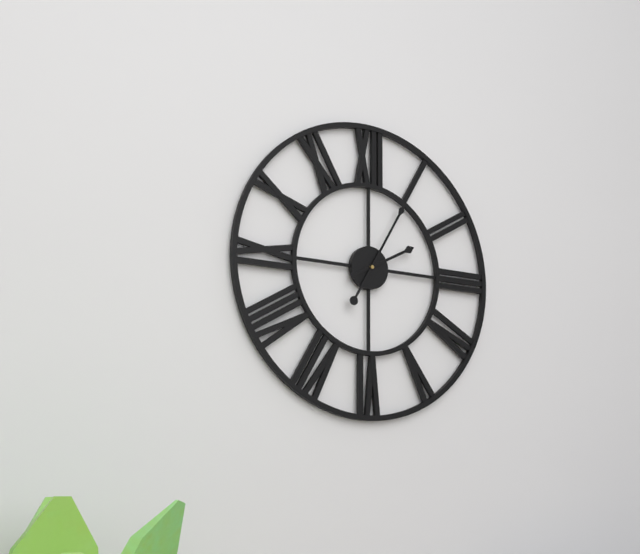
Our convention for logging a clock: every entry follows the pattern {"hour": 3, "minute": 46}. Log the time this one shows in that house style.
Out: {"hour": 2, "minute": 5}
